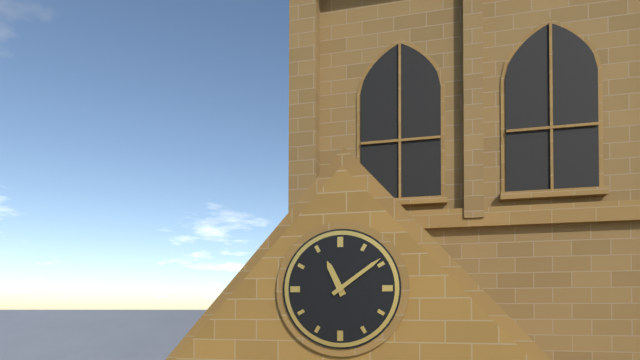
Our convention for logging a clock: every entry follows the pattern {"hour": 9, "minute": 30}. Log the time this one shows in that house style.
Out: {"hour": 11, "minute": 9}
